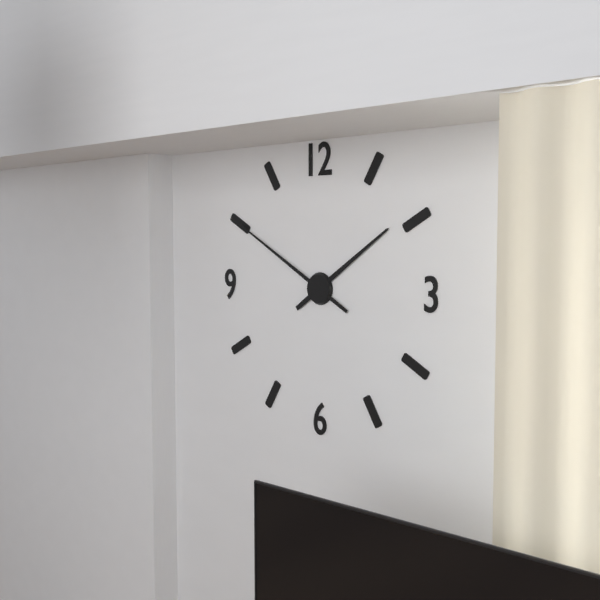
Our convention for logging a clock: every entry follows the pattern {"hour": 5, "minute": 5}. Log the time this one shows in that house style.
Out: {"hour": 1, "minute": 50}
